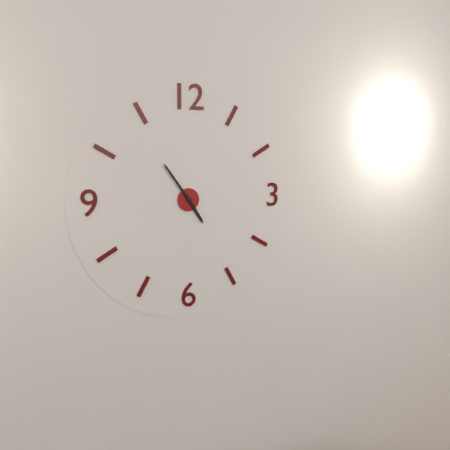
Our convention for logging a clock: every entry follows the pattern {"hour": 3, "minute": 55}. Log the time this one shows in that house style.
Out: {"hour": 4, "minute": 54}
